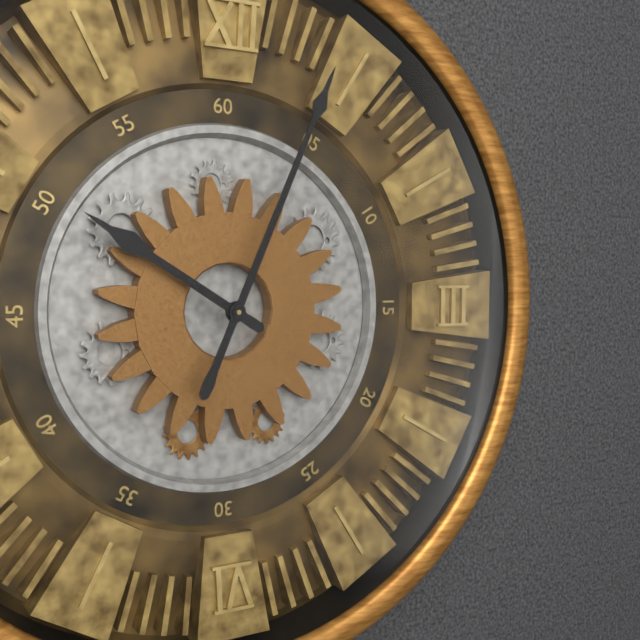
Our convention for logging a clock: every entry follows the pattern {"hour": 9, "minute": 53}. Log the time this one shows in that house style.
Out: {"hour": 10, "minute": 4}
